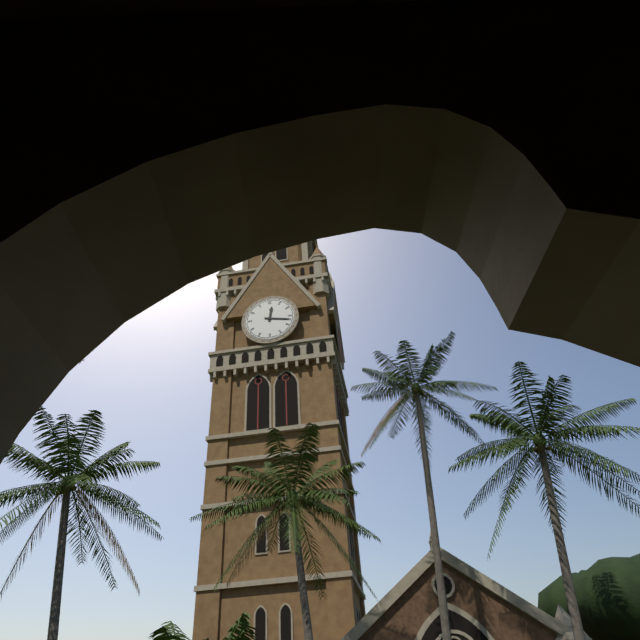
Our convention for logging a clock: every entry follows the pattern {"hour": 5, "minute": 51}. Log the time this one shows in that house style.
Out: {"hour": 12, "minute": 17}
